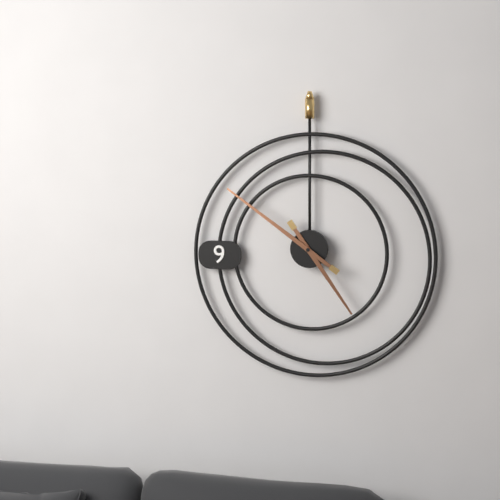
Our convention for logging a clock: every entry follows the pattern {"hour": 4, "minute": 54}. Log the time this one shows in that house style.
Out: {"hour": 4, "minute": 51}
